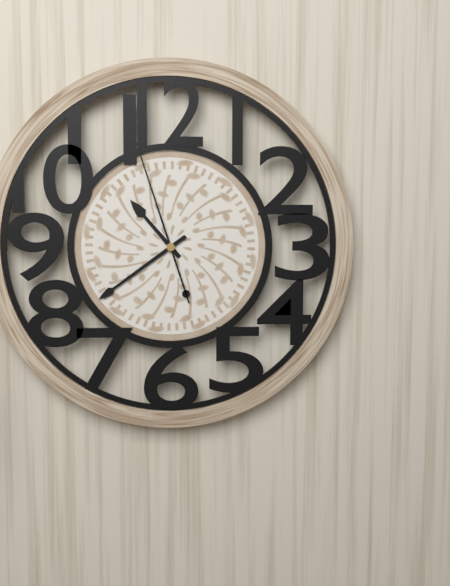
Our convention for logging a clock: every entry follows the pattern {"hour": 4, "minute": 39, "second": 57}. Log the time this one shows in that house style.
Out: {"hour": 10, "minute": 39, "second": 57}
